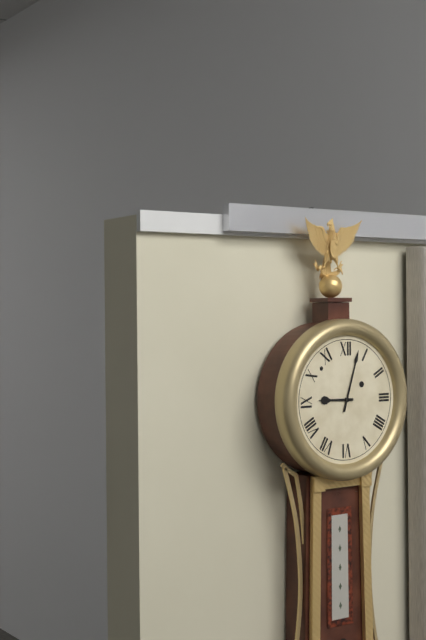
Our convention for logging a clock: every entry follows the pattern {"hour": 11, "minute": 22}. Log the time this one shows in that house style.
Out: {"hour": 9, "minute": 3}
